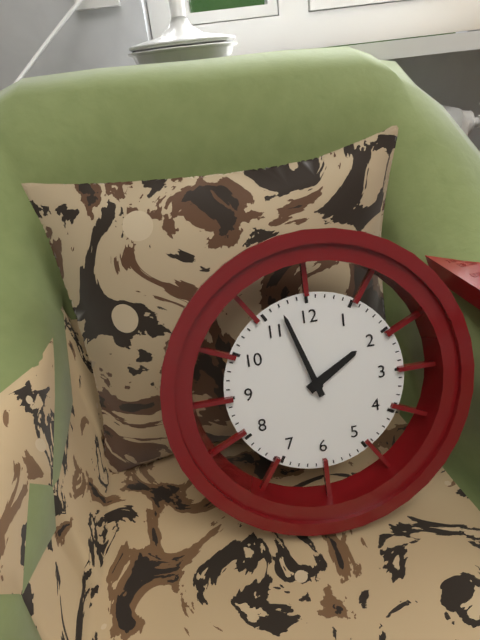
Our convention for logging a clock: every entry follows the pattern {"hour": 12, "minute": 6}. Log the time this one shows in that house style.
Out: {"hour": 1, "minute": 57}
